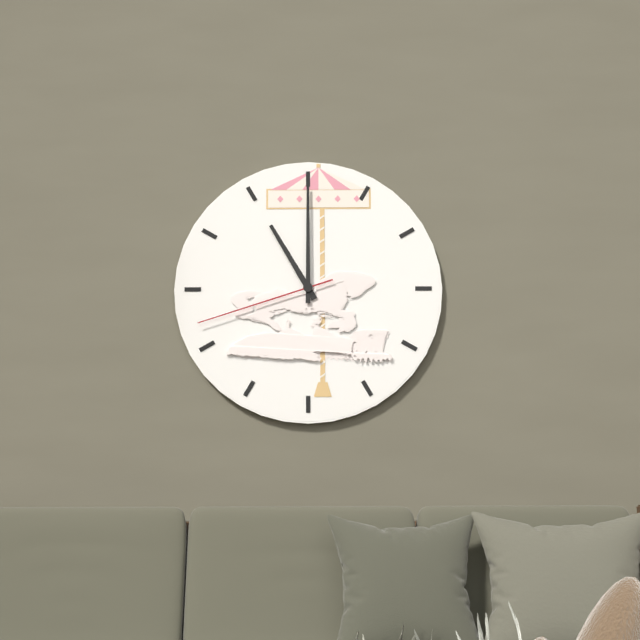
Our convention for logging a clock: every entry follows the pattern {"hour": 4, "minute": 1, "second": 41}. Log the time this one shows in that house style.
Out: {"hour": 11, "minute": 0, "second": 42}
